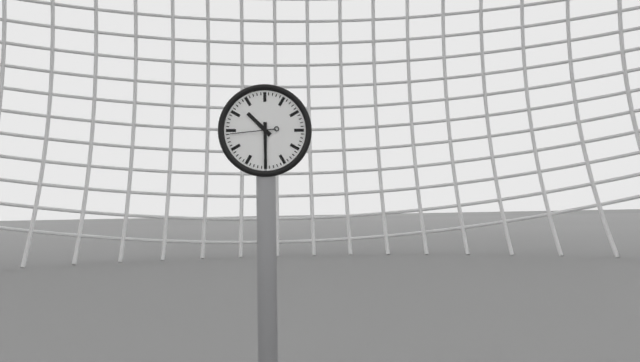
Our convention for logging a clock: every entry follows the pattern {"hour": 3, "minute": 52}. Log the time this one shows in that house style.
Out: {"hour": 10, "minute": 30}
